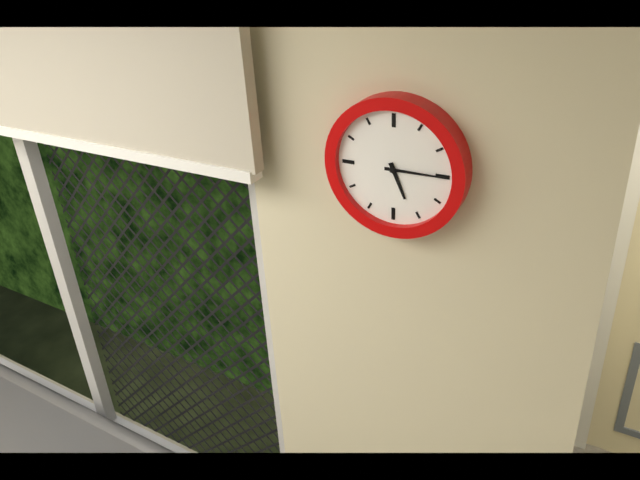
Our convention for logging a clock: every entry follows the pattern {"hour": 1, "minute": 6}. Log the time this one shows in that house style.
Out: {"hour": 5, "minute": 15}
